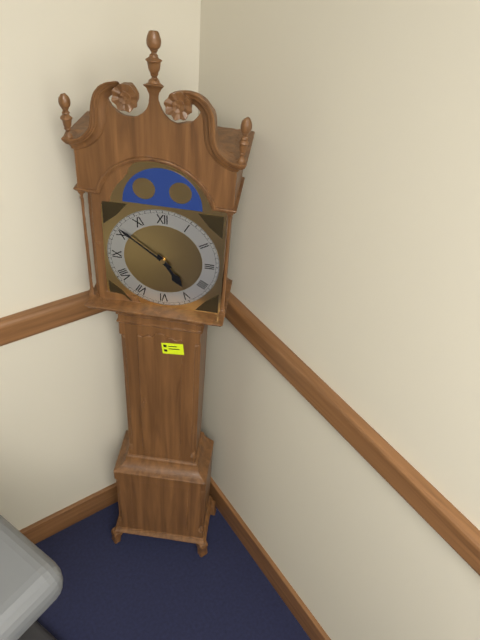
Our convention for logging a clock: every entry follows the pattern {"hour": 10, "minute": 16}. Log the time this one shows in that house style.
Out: {"hour": 4, "minute": 51}
